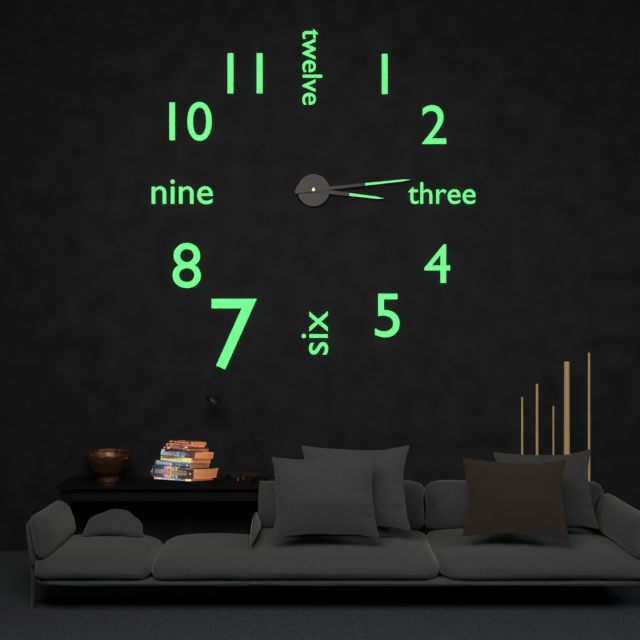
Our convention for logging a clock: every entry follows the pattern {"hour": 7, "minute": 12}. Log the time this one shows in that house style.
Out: {"hour": 3, "minute": 14}
